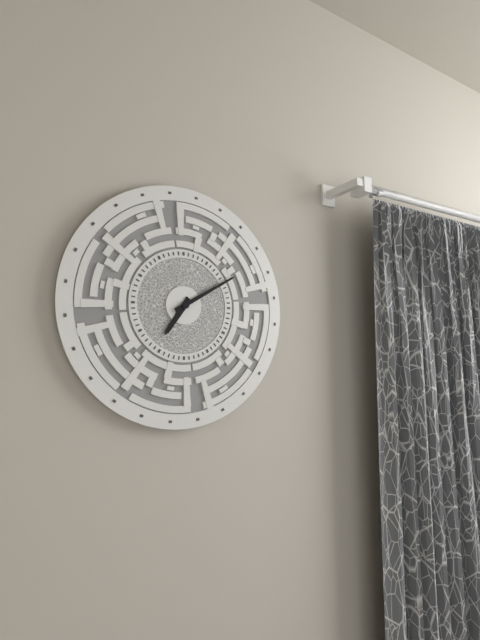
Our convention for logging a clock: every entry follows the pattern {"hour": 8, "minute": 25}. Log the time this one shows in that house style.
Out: {"hour": 7, "minute": 10}
